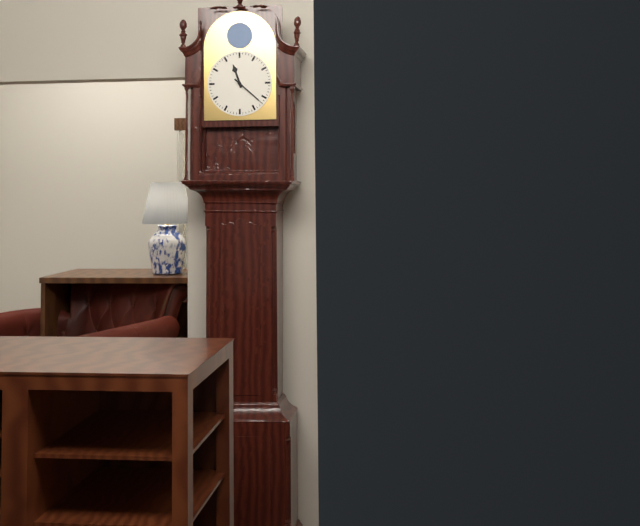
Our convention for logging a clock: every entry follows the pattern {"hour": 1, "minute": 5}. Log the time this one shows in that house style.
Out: {"hour": 11, "minute": 22}
